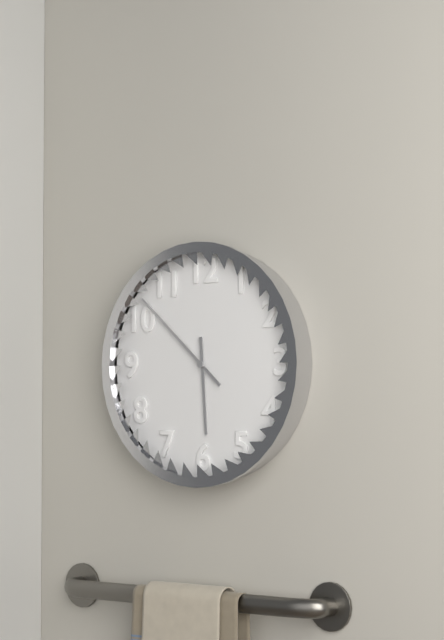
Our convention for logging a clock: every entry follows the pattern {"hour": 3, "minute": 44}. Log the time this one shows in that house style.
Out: {"hour": 5, "minute": 52}
